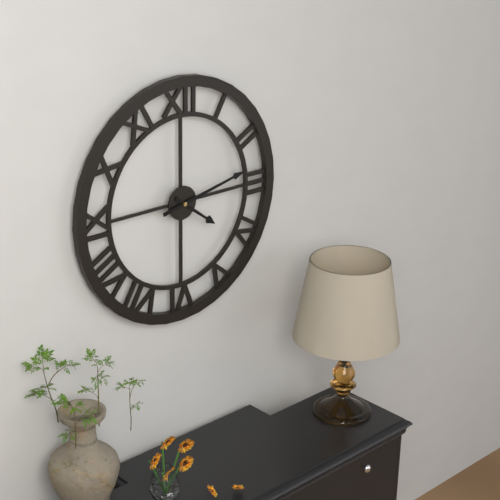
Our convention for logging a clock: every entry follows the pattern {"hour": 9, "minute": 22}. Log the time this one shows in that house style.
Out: {"hour": 4, "minute": 13}
